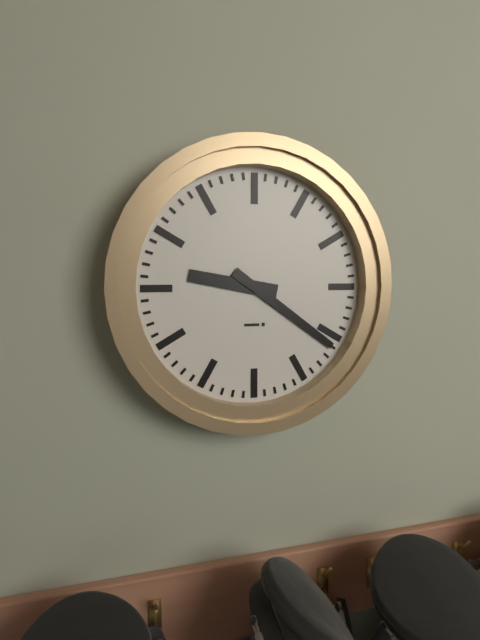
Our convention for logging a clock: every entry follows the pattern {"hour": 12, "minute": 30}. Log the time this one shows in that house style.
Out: {"hour": 9, "minute": 21}
